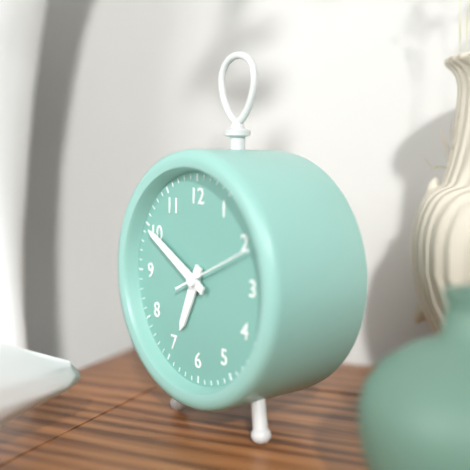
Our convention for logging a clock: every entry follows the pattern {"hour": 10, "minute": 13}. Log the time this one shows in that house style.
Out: {"hour": 6, "minute": 50}
